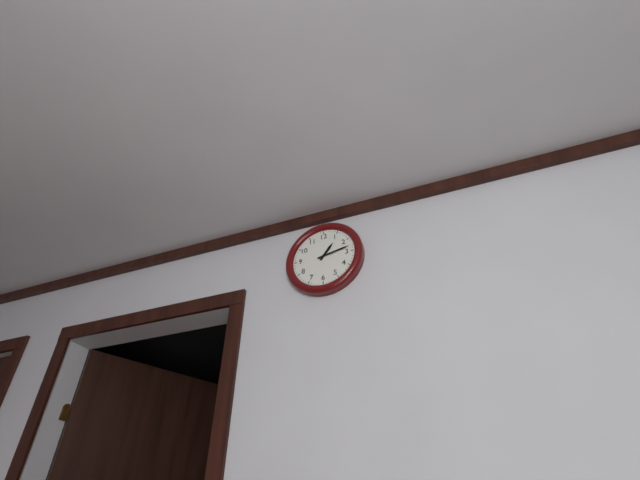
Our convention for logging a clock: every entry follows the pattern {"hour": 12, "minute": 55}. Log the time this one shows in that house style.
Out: {"hour": 1, "minute": 13}
